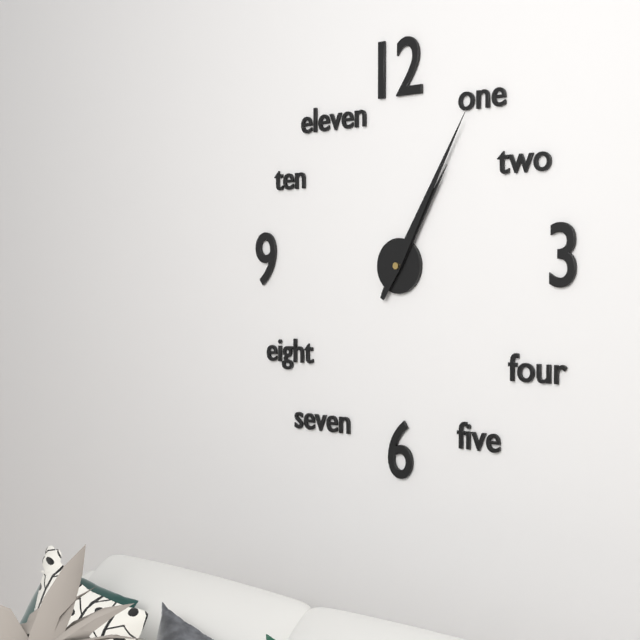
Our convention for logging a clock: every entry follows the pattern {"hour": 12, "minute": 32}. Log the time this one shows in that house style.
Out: {"hour": 1, "minute": 5}
